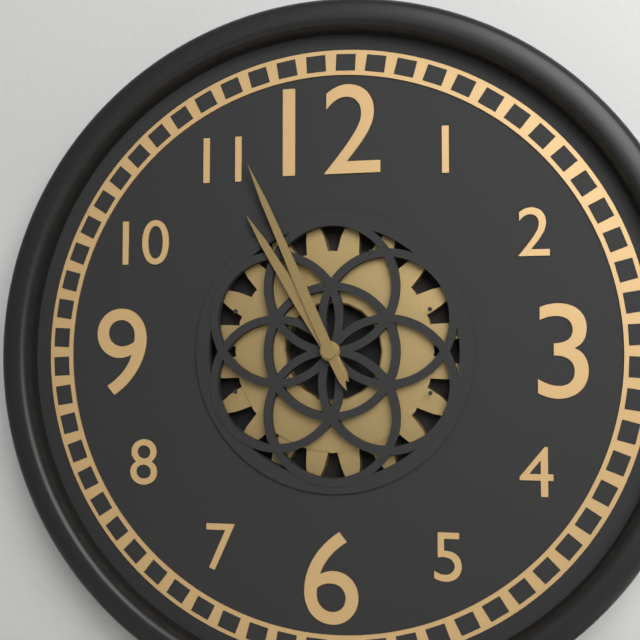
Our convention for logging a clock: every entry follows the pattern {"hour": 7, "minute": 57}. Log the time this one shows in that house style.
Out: {"hour": 10, "minute": 56}
